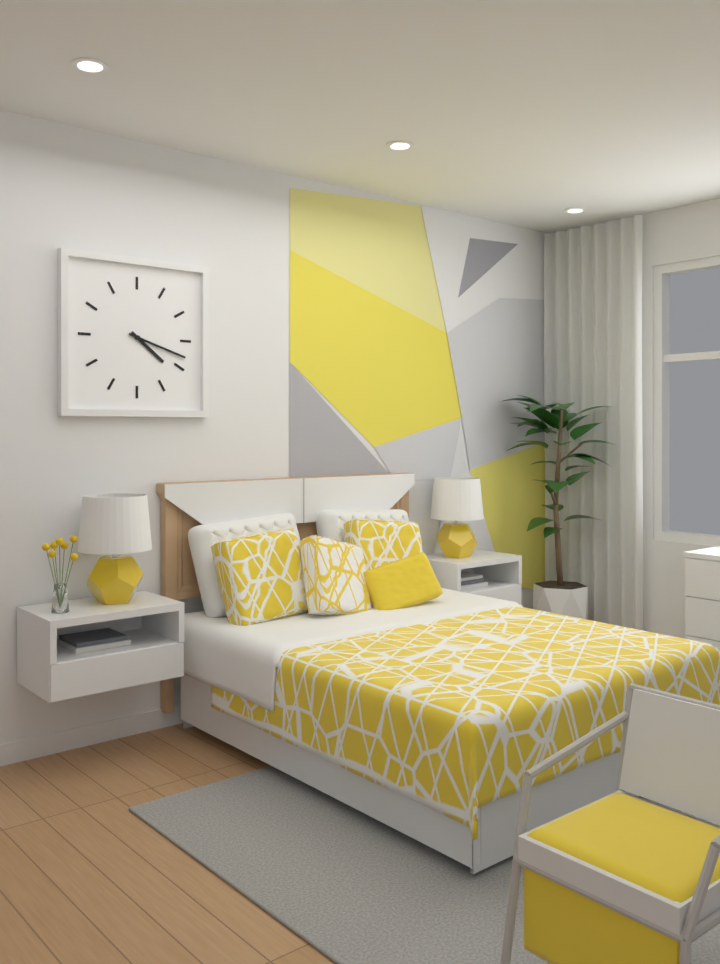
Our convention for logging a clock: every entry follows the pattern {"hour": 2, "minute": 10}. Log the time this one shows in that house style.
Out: {"hour": 4, "minute": 18}
